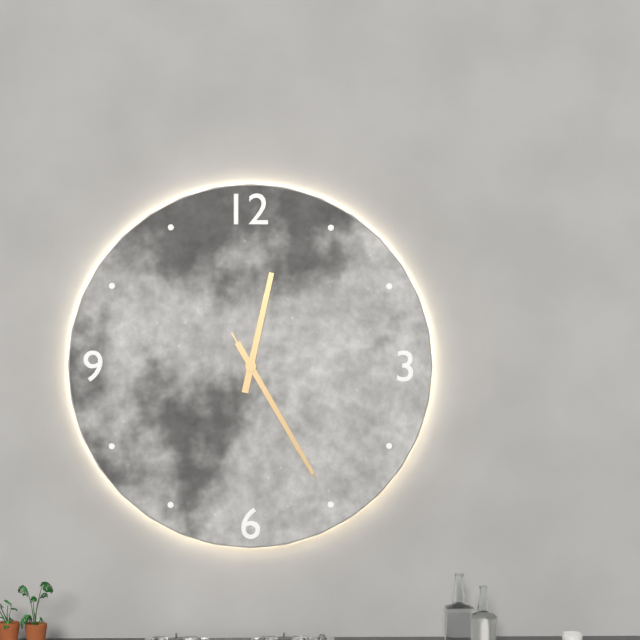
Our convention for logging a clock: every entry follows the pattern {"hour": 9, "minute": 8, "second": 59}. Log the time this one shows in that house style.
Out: {"hour": 12, "minute": 25, "second": 25}
